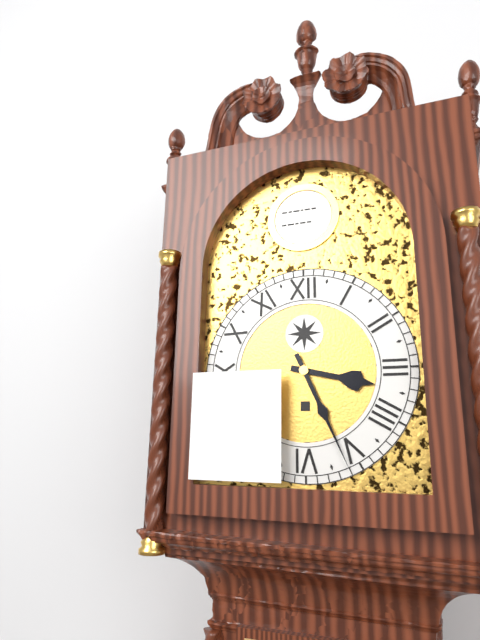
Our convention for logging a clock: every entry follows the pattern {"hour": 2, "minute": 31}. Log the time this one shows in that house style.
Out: {"hour": 3, "minute": 26}
